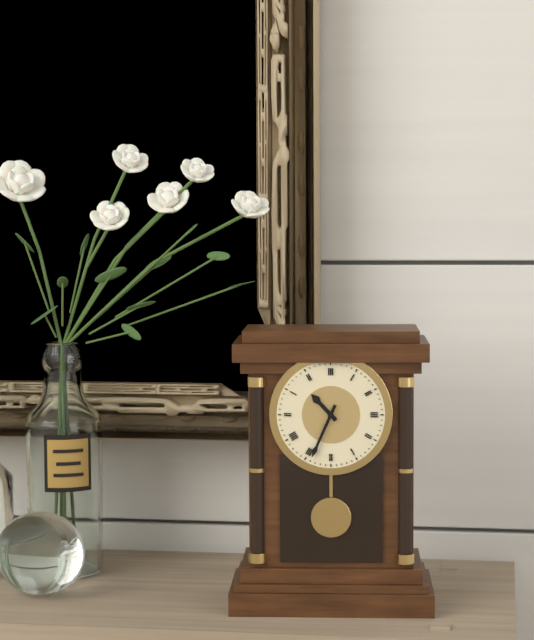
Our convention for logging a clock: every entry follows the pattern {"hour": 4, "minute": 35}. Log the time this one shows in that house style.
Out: {"hour": 10, "minute": 34}
